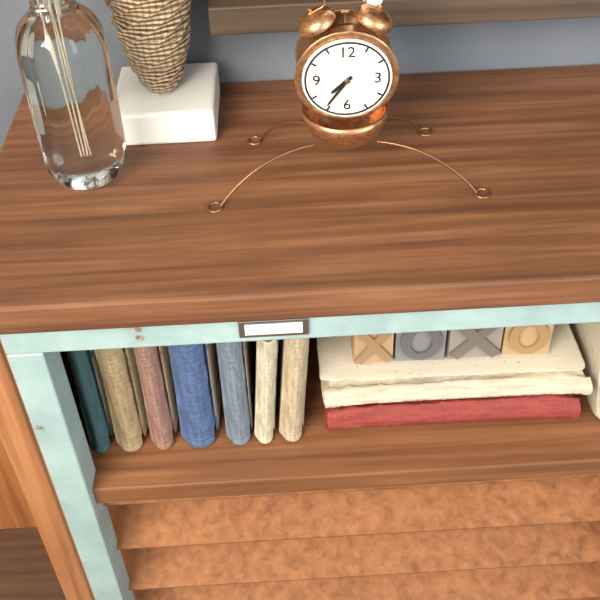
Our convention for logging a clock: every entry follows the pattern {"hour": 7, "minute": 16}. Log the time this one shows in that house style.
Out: {"hour": 7, "minute": 36}
